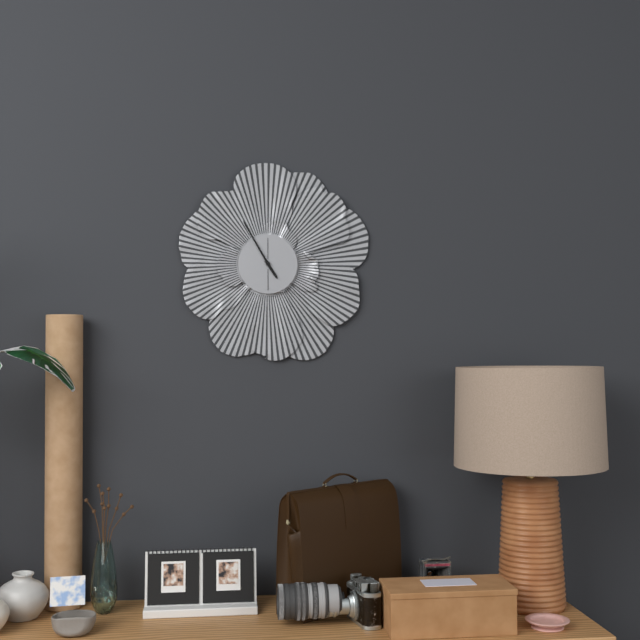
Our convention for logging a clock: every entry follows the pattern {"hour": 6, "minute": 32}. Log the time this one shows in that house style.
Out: {"hour": 4, "minute": 55}
